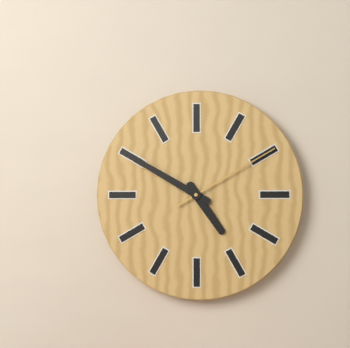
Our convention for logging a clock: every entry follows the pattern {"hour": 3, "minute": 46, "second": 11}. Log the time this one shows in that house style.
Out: {"hour": 4, "minute": 50, "second": 10}
